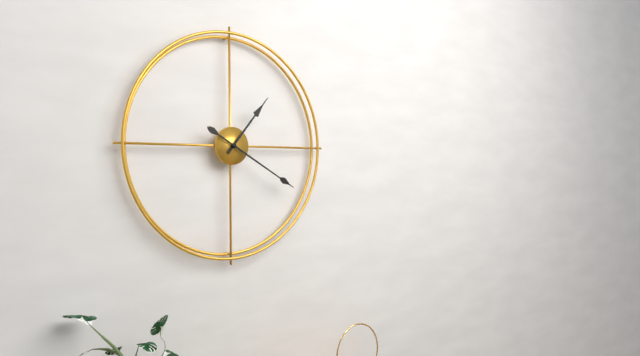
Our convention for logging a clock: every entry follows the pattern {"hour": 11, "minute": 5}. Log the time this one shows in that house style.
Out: {"hour": 1, "minute": 20}
